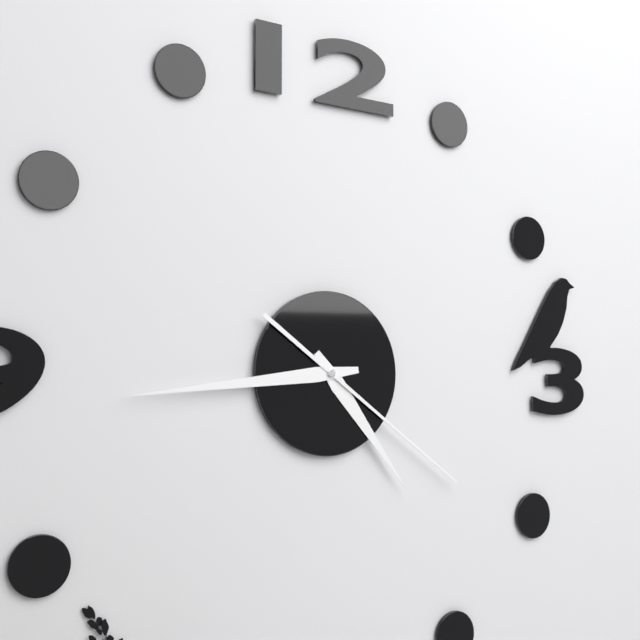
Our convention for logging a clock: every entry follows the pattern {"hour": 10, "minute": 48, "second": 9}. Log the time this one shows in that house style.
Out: {"hour": 4, "minute": 44, "second": 21}
